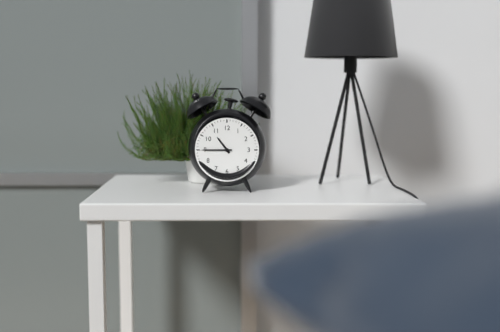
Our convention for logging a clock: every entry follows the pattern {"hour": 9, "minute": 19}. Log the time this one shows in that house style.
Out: {"hour": 10, "minute": 45}
